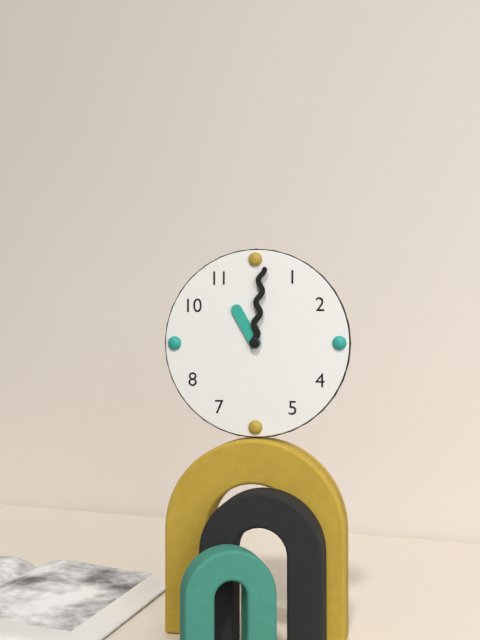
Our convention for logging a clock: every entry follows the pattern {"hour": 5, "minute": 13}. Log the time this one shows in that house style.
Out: {"hour": 11, "minute": 1}
